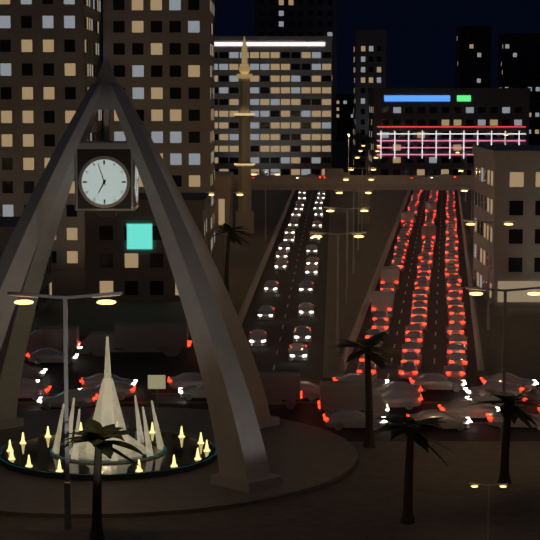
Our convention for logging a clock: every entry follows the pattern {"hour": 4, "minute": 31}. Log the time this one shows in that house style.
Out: {"hour": 6, "minute": 57}
